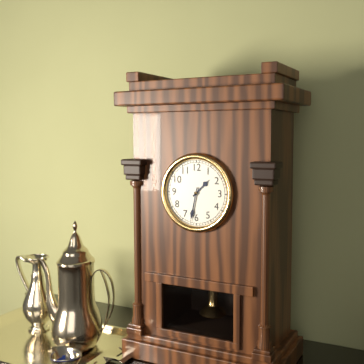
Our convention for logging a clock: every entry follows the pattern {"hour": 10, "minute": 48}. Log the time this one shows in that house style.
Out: {"hour": 1, "minute": 32}
